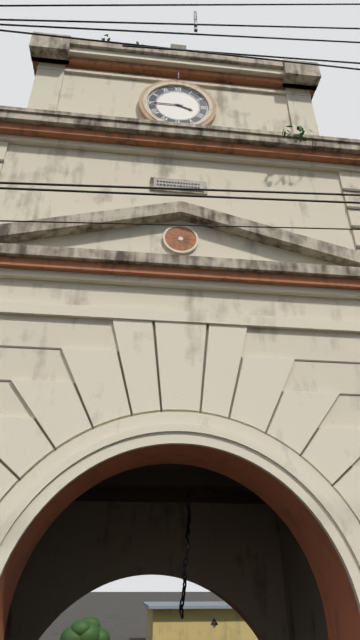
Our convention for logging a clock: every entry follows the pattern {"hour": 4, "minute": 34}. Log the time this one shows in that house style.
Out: {"hour": 3, "minute": 45}
